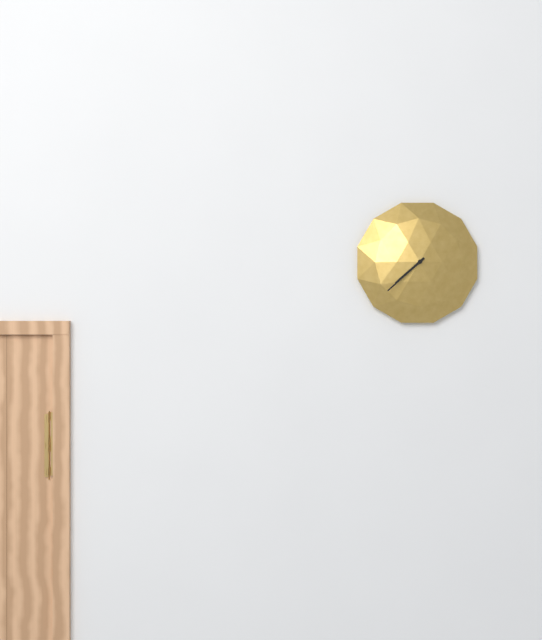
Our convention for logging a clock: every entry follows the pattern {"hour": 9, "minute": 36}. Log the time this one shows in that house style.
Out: {"hour": 7, "minute": 38}
